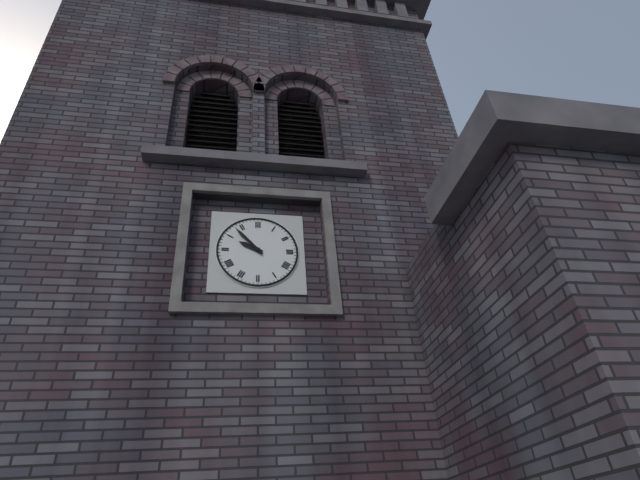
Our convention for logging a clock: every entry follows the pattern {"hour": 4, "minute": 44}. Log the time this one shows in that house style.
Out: {"hour": 9, "minute": 53}
